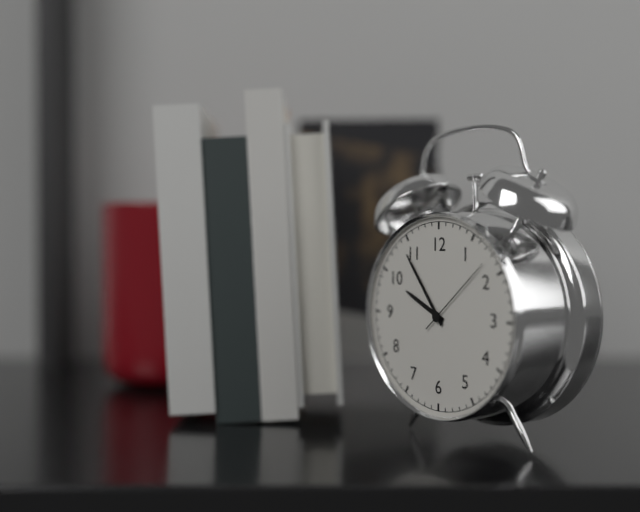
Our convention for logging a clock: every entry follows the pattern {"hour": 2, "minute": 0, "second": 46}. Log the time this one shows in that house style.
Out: {"hour": 9, "minute": 54, "second": 8}
